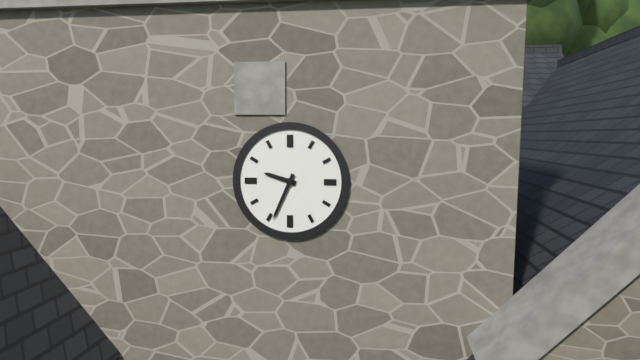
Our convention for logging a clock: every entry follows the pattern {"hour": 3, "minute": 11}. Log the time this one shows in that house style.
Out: {"hour": 9, "minute": 34}
